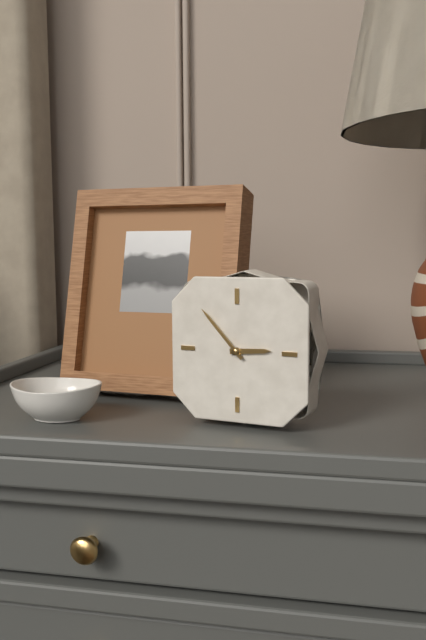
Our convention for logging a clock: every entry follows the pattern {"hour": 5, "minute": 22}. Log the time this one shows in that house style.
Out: {"hour": 2, "minute": 53}
